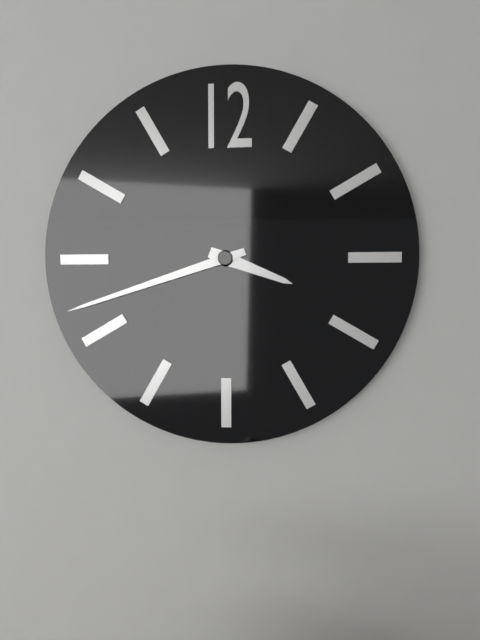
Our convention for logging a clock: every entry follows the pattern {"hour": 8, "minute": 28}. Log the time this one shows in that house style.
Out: {"hour": 3, "minute": 42}
